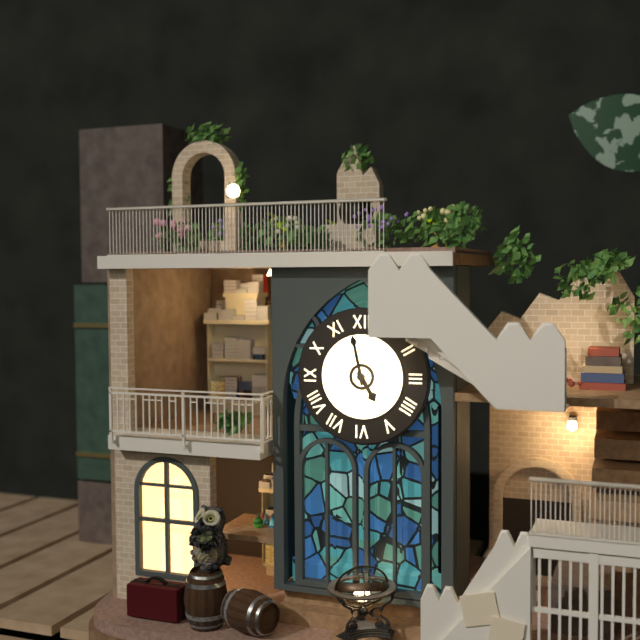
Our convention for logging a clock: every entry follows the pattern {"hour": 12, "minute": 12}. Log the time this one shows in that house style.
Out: {"hour": 4, "minute": 58}
